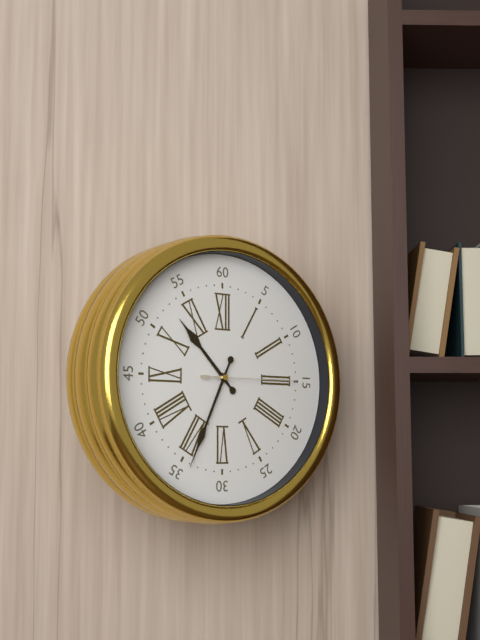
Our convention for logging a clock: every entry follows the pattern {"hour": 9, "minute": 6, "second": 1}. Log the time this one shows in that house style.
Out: {"hour": 10, "minute": 34, "second": 15}
